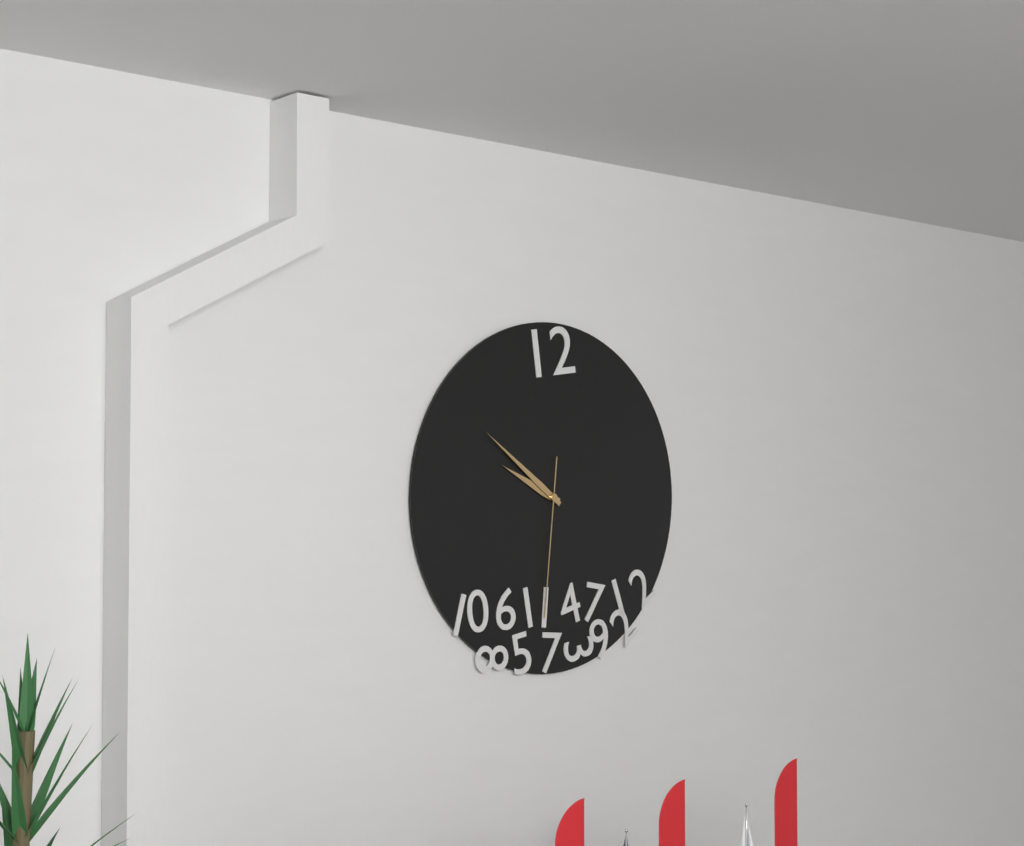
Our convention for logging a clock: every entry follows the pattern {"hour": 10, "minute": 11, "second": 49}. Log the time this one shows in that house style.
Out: {"hour": 9, "minute": 51, "second": 31}
